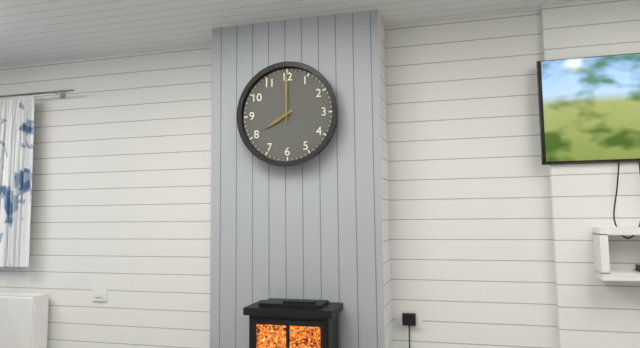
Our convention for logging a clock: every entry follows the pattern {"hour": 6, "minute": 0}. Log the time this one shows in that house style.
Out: {"hour": 8, "minute": 0}
